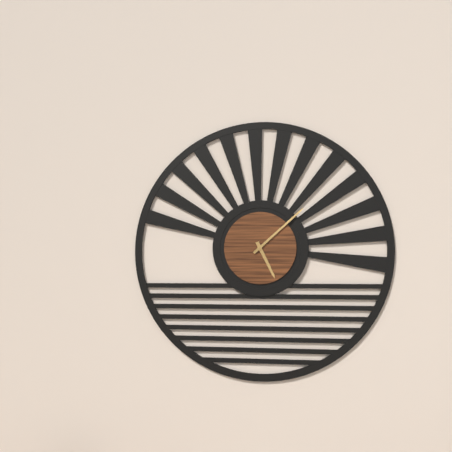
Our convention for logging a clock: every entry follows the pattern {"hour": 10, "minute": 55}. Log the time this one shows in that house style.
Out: {"hour": 5, "minute": 8}
